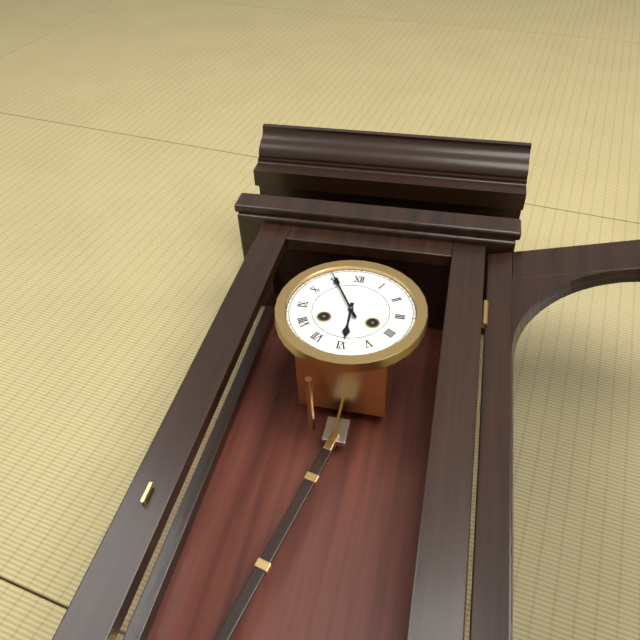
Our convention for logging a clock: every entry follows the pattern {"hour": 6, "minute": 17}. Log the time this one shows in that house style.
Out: {"hour": 5, "minute": 55}
